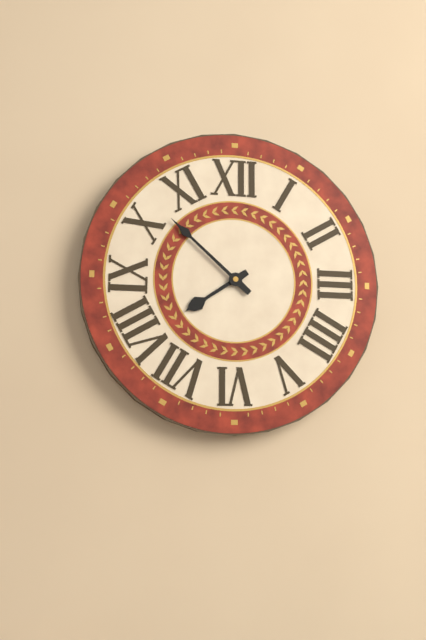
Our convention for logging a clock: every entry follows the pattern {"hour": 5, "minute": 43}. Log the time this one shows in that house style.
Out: {"hour": 7, "minute": 52}
